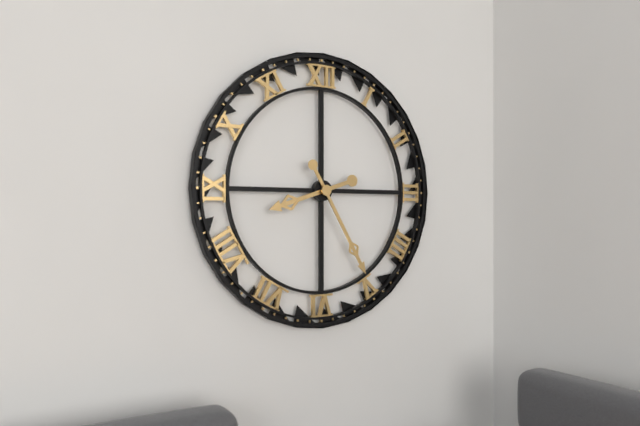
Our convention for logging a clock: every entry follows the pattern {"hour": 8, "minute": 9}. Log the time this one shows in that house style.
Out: {"hour": 8, "minute": 25}
